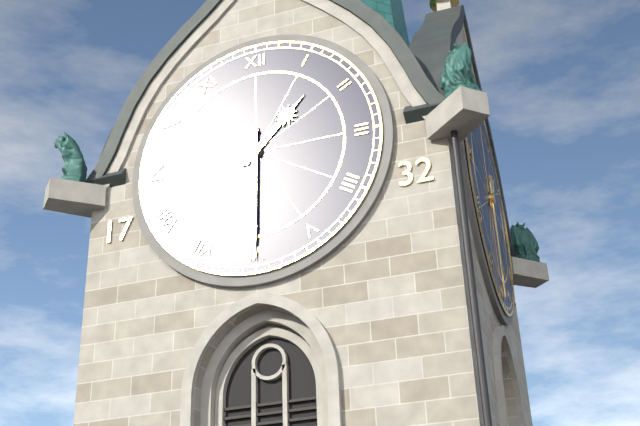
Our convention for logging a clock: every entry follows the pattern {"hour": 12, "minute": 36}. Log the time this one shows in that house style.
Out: {"hour": 1, "minute": 30}
